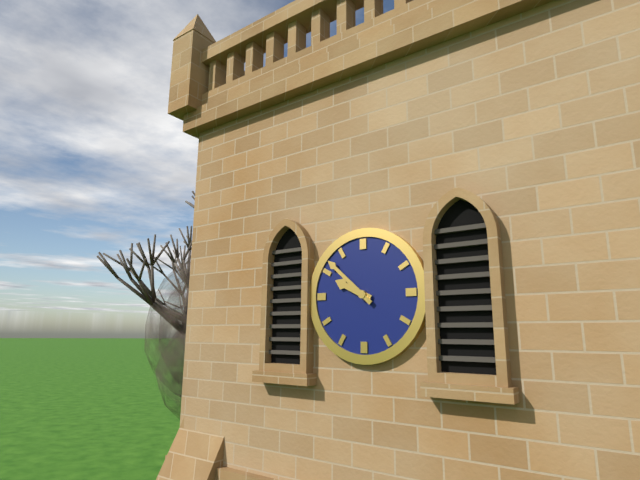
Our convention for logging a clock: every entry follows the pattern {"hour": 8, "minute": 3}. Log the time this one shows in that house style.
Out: {"hour": 9, "minute": 52}
